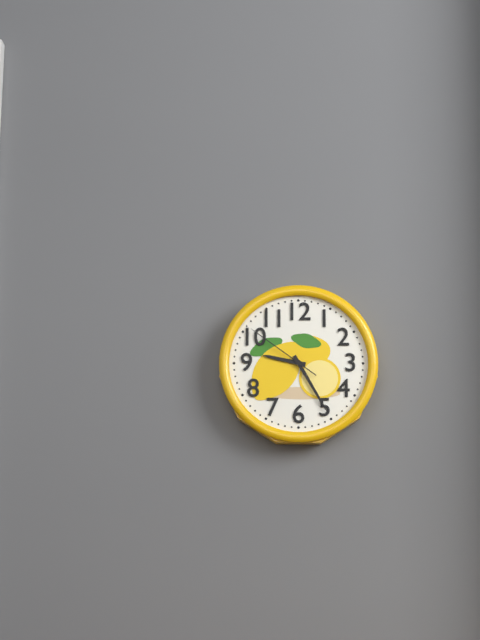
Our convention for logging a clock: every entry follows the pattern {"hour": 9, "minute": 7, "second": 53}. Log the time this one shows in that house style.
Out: {"hour": 9, "minute": 25, "second": 51}
